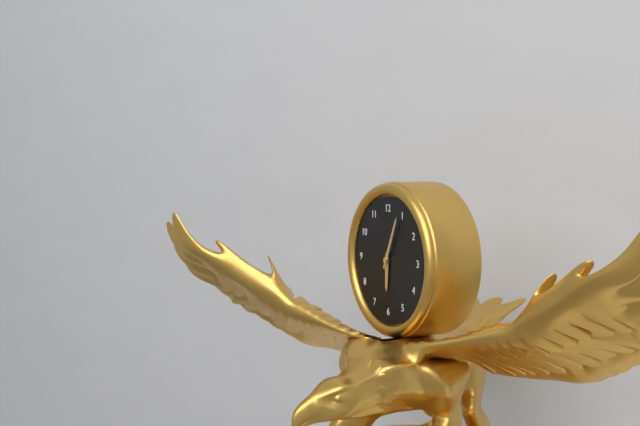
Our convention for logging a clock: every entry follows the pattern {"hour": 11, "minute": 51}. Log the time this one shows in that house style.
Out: {"hour": 6, "minute": 4}
